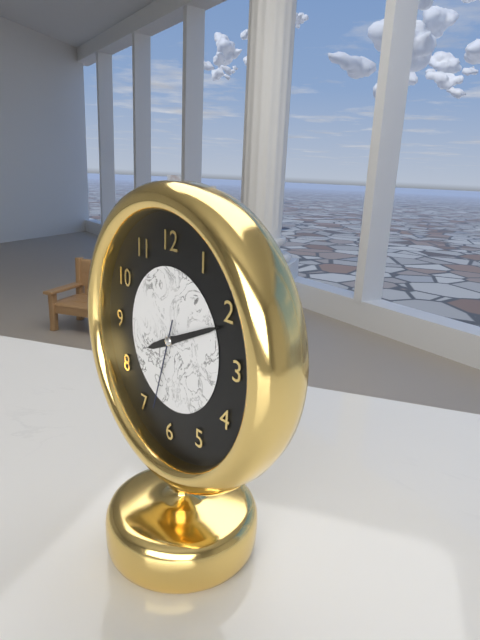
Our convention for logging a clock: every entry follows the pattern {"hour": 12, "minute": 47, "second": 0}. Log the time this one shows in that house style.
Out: {"hour": 8, "minute": 11, "second": 33}
